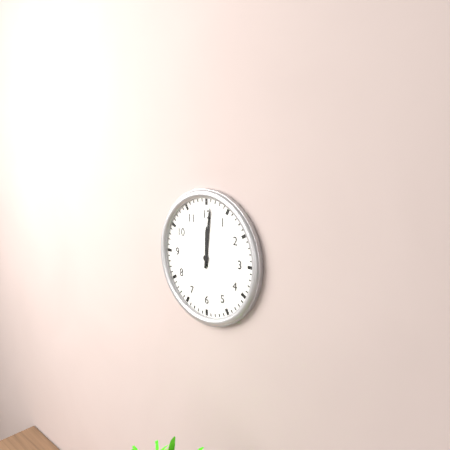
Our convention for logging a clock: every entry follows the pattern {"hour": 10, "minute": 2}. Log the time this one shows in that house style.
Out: {"hour": 12, "minute": 1}
